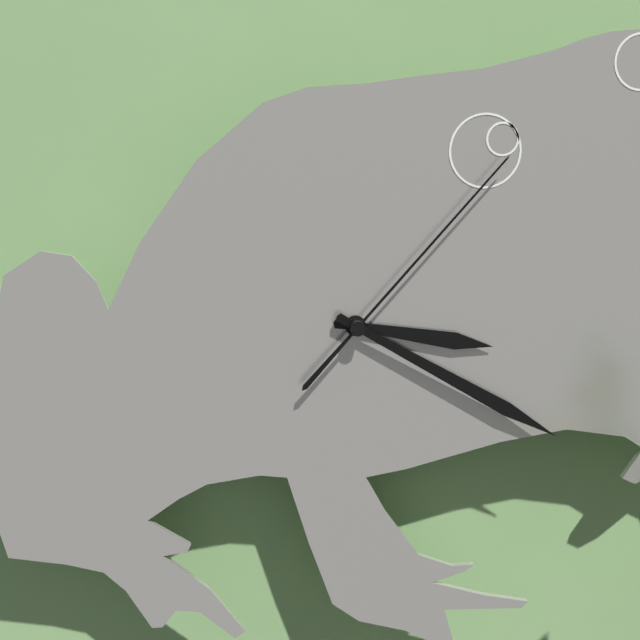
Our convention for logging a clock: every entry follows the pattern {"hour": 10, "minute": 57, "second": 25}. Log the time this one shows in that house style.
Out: {"hour": 3, "minute": 20, "second": 7}
